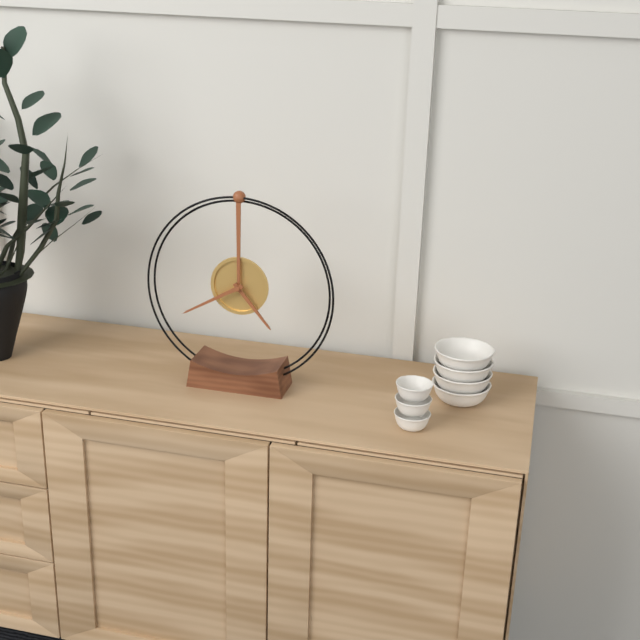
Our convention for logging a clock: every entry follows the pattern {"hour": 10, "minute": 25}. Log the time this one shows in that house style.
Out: {"hour": 4, "minute": 40}
